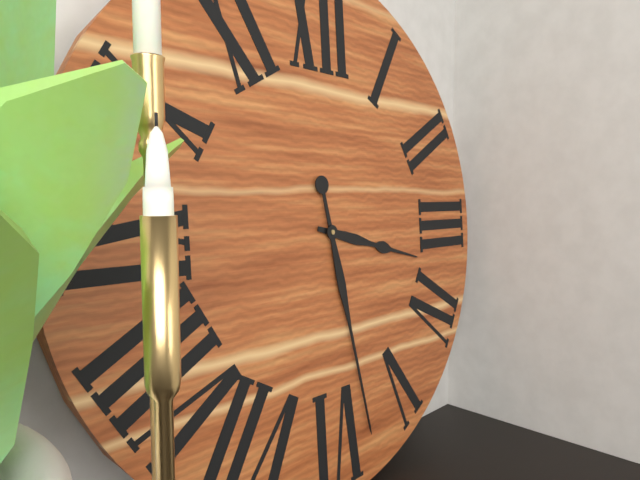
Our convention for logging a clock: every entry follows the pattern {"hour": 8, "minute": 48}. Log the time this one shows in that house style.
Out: {"hour": 3, "minute": 28}
